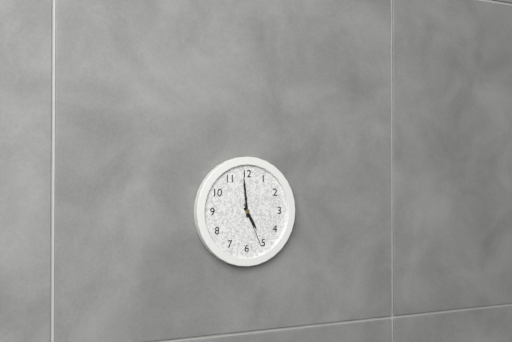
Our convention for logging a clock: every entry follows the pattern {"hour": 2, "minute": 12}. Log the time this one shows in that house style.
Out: {"hour": 4, "minute": 59}
